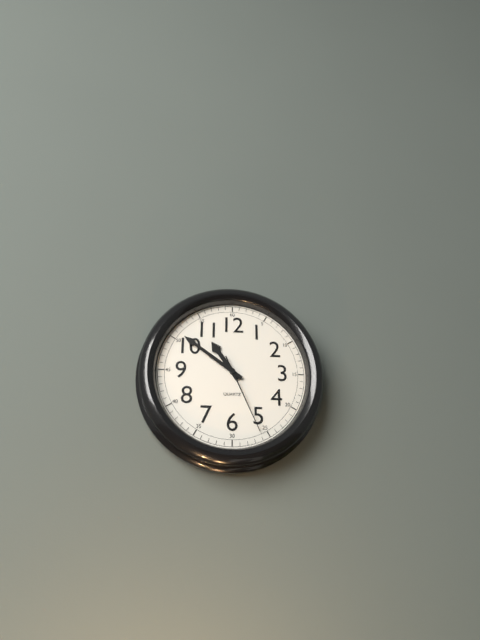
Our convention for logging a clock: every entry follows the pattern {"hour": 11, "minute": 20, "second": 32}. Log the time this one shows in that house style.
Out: {"hour": 10, "minute": 51, "second": 26}
